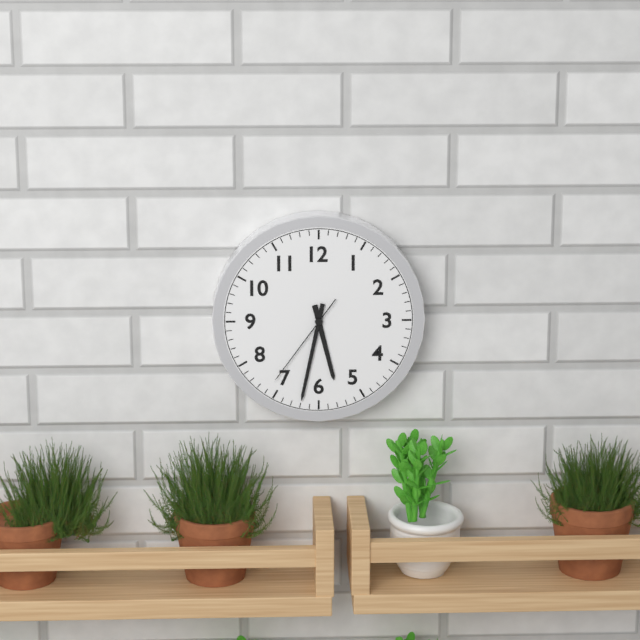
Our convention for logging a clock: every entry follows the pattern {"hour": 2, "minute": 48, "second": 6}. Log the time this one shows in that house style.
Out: {"hour": 5, "minute": 32, "second": 36}
